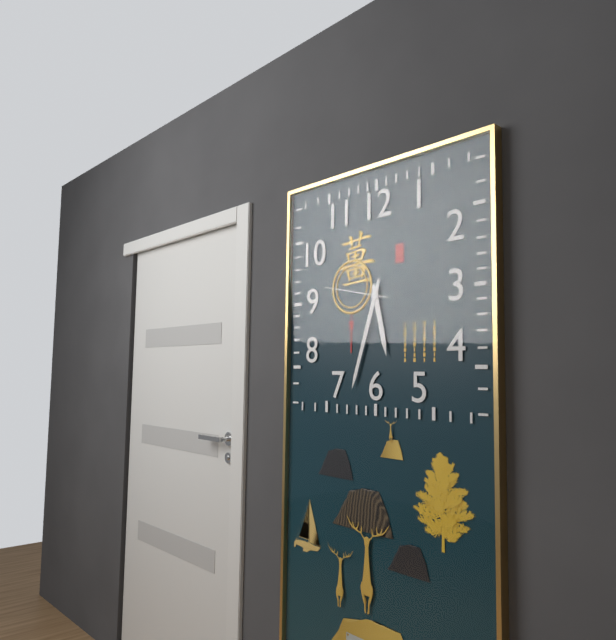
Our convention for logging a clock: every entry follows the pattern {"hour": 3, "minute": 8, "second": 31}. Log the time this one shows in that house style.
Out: {"hour": 5, "minute": 33, "second": 47}
